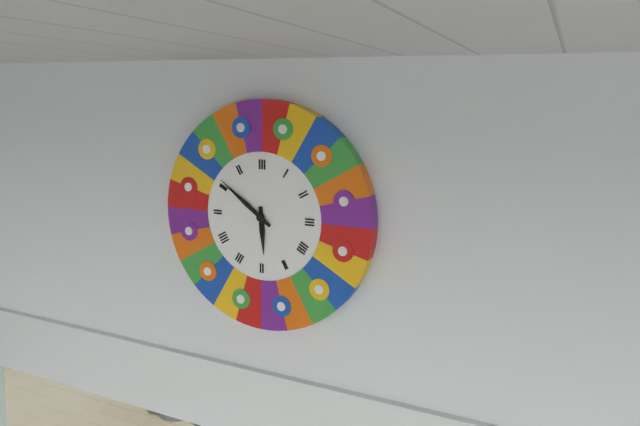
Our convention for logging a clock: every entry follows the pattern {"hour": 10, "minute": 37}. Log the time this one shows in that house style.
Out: {"hour": 5, "minute": 51}
